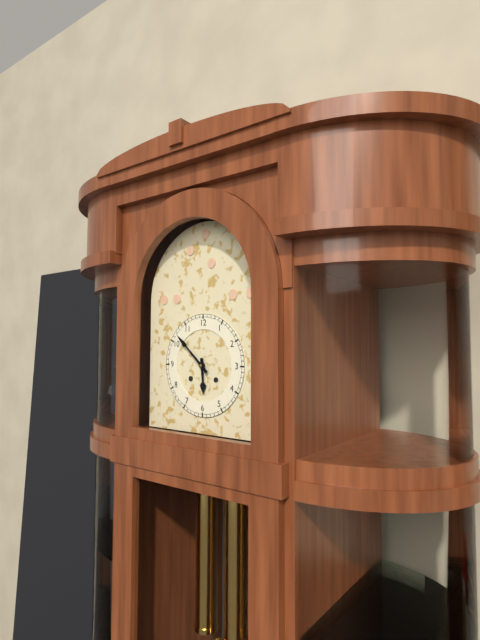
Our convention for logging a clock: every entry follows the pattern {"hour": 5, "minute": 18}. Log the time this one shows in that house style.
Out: {"hour": 5, "minute": 52}
